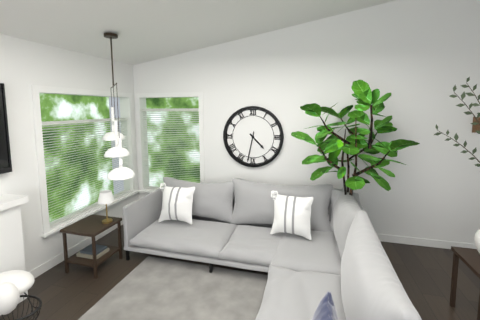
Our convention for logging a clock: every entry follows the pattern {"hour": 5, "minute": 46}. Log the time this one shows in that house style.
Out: {"hour": 4, "minute": 32}
